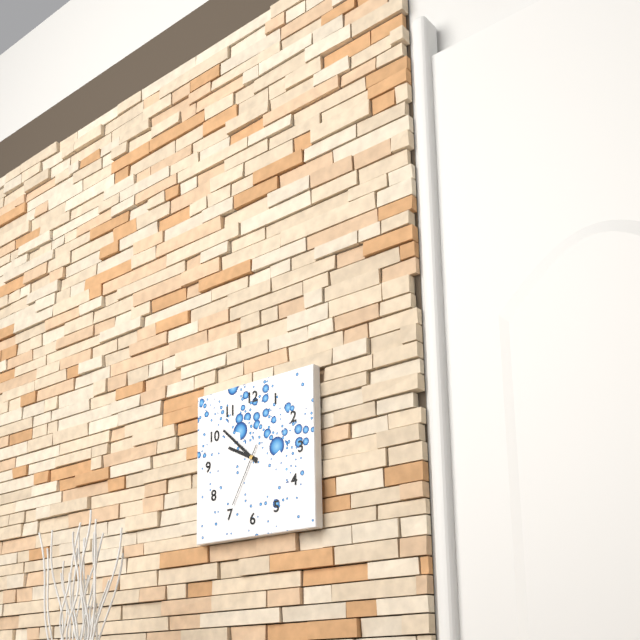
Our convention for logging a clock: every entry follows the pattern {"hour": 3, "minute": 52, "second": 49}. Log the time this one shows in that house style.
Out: {"hour": 9, "minute": 52, "second": 35}
